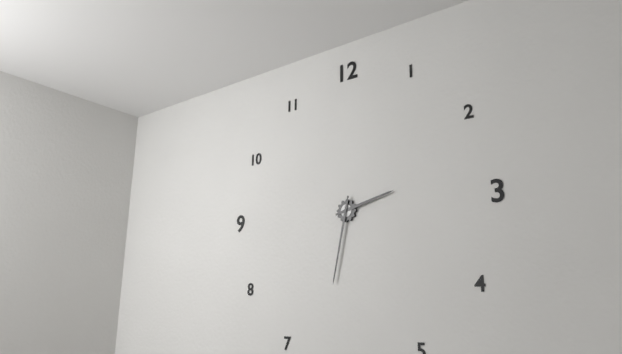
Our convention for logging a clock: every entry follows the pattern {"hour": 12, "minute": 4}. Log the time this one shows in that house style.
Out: {"hour": 2, "minute": 32}
